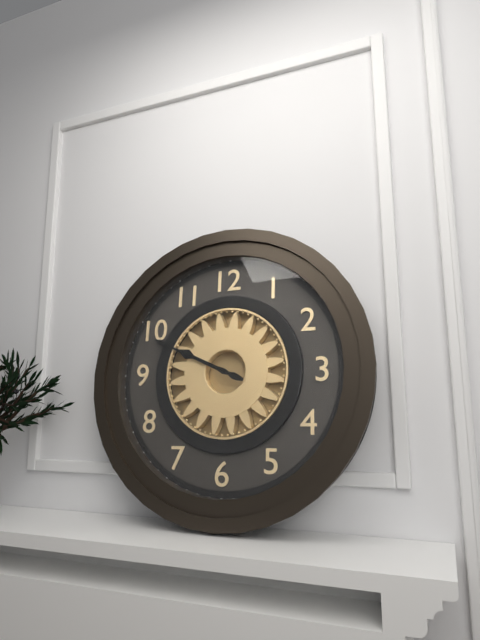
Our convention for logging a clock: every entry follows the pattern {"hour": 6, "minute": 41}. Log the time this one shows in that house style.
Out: {"hour": 9, "minute": 49}
